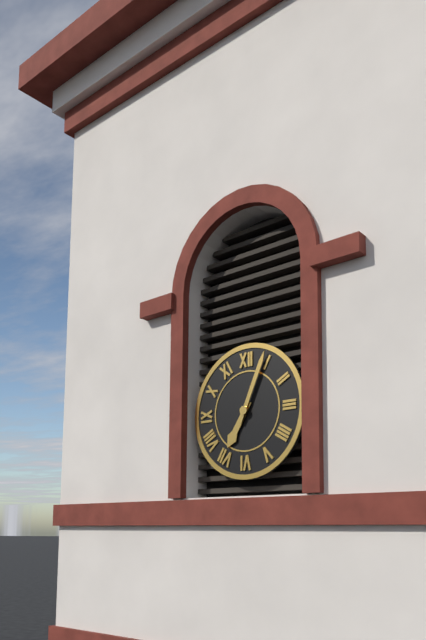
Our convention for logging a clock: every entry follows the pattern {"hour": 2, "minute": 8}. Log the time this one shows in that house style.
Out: {"hour": 7, "minute": 4}
